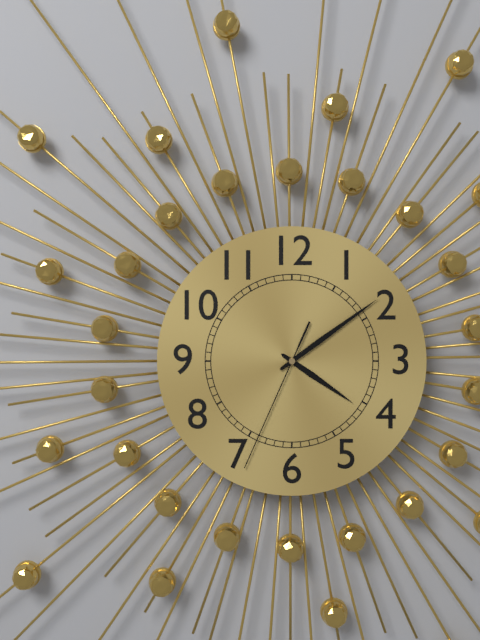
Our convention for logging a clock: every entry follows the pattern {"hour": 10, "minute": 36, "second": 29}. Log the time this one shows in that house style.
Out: {"hour": 4, "minute": 9, "second": 34}
